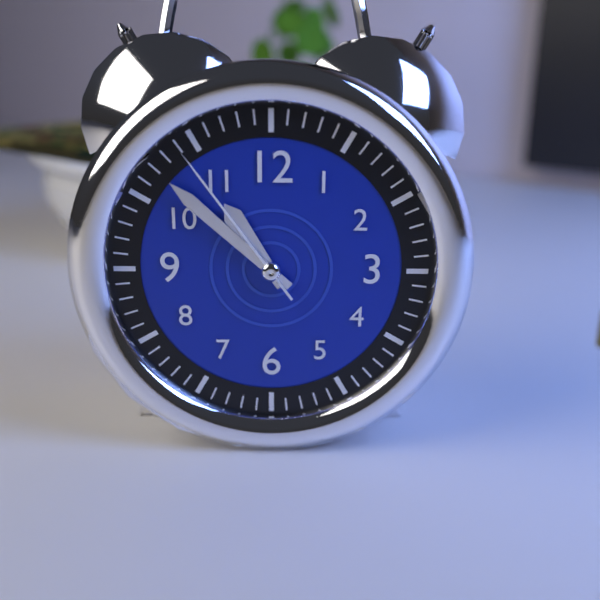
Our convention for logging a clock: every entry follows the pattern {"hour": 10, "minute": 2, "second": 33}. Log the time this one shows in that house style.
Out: {"hour": 10, "minute": 52, "second": 54}
